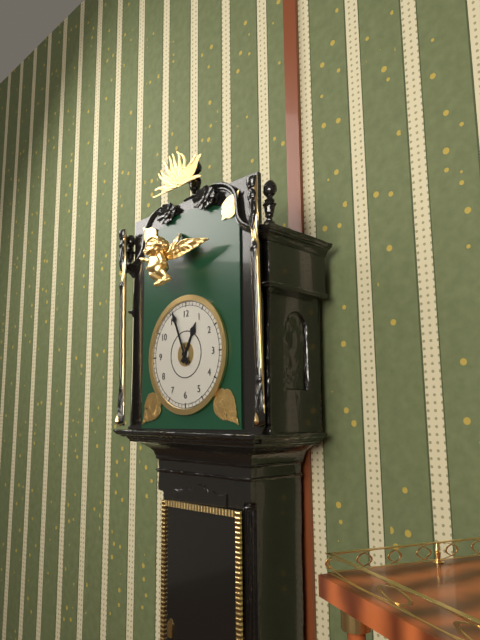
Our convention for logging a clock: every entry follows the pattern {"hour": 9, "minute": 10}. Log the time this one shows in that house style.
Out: {"hour": 12, "minute": 56}
